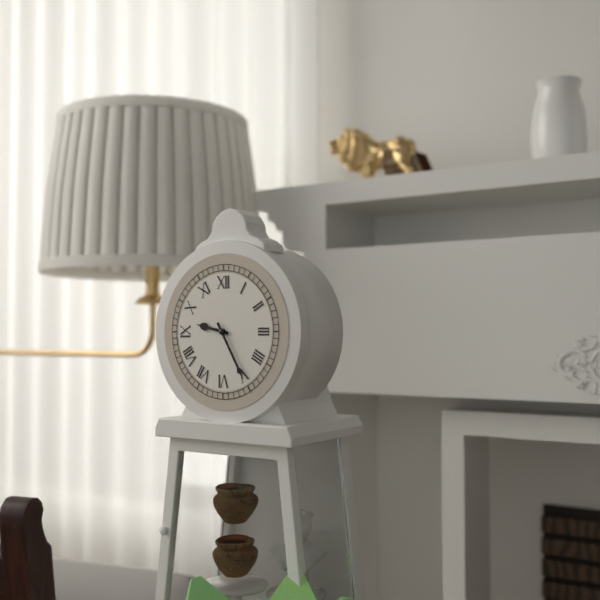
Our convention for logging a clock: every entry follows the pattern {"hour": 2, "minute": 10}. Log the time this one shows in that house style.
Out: {"hour": 9, "minute": 25}
